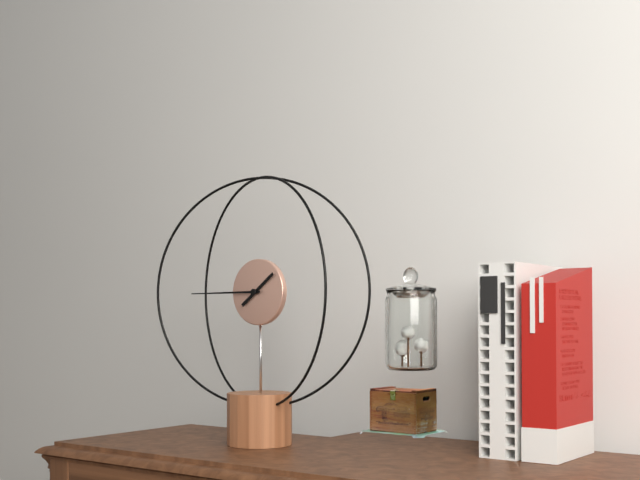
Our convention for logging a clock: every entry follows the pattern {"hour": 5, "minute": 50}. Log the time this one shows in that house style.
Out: {"hour": 1, "minute": 45}
